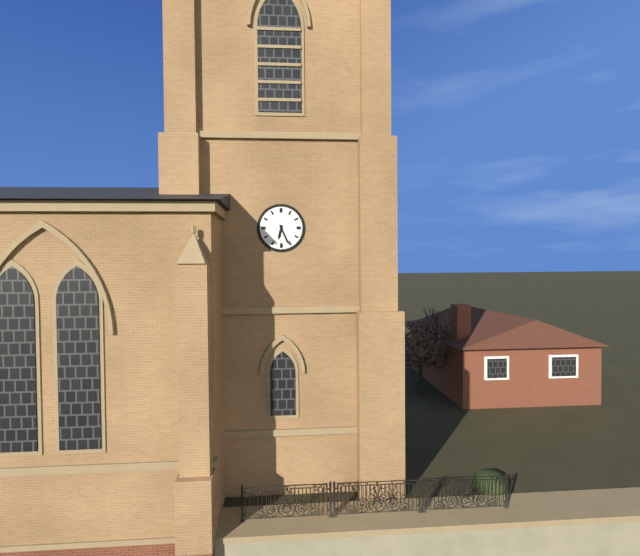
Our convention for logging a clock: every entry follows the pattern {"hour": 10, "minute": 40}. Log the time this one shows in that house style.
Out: {"hour": 6, "minute": 26}
